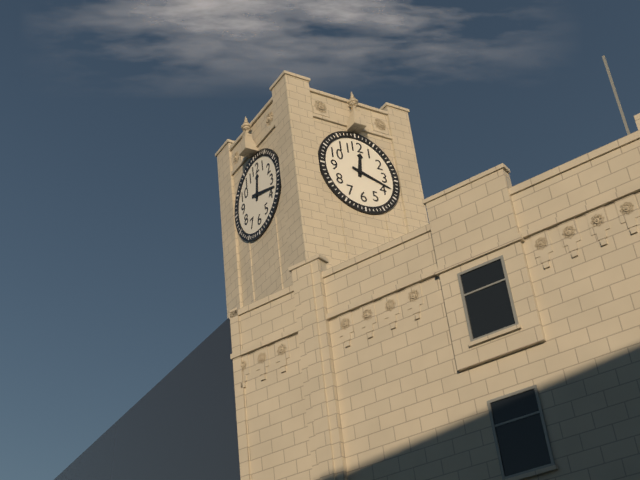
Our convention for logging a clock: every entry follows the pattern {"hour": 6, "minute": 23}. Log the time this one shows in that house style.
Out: {"hour": 12, "minute": 18}
